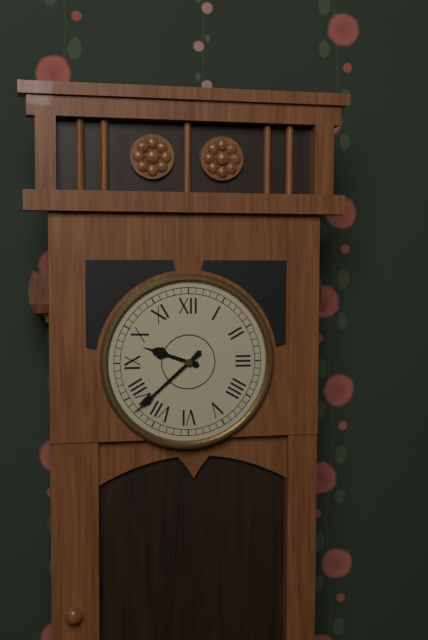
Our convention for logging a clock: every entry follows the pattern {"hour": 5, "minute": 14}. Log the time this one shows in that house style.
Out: {"hour": 9, "minute": 38}
